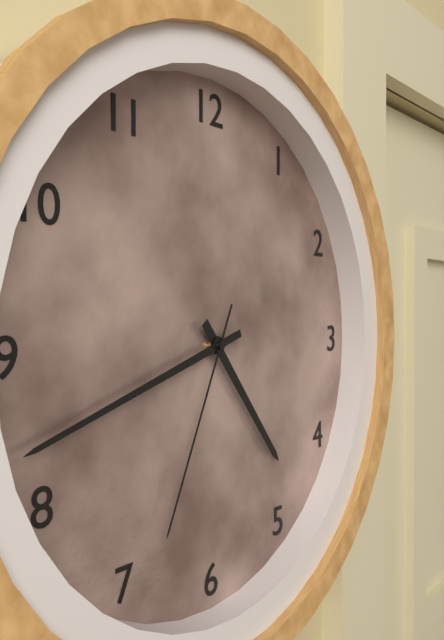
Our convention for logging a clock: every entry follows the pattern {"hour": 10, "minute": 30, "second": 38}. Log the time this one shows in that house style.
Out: {"hour": 4, "minute": 42, "second": 34}
